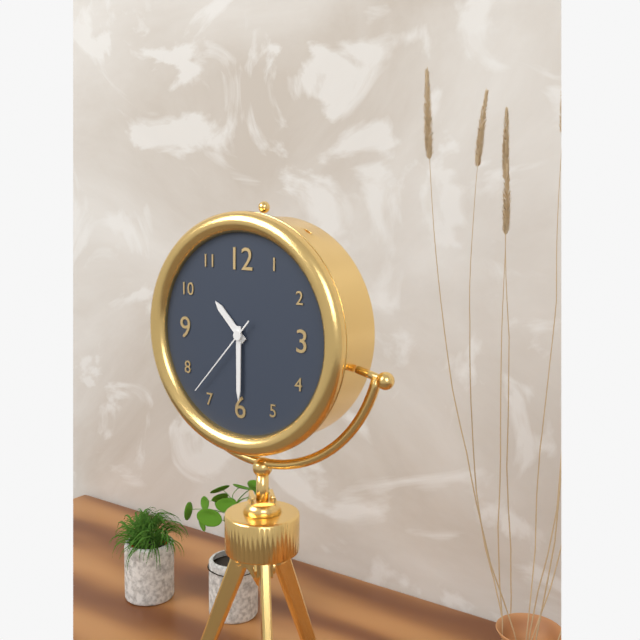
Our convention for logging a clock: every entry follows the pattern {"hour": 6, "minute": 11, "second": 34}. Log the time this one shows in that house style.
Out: {"hour": 10, "minute": 30, "second": 37}
